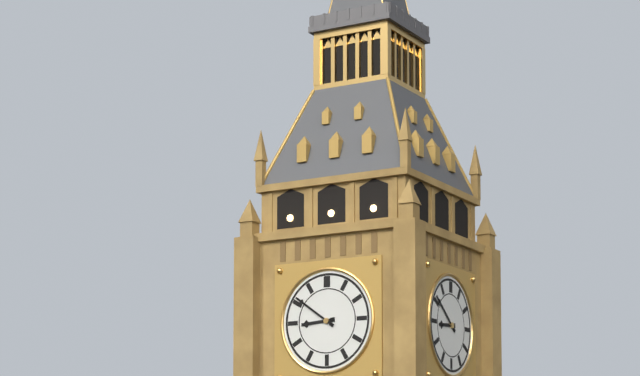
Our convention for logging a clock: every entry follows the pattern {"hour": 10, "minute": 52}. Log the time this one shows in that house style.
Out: {"hour": 8, "minute": 51}
